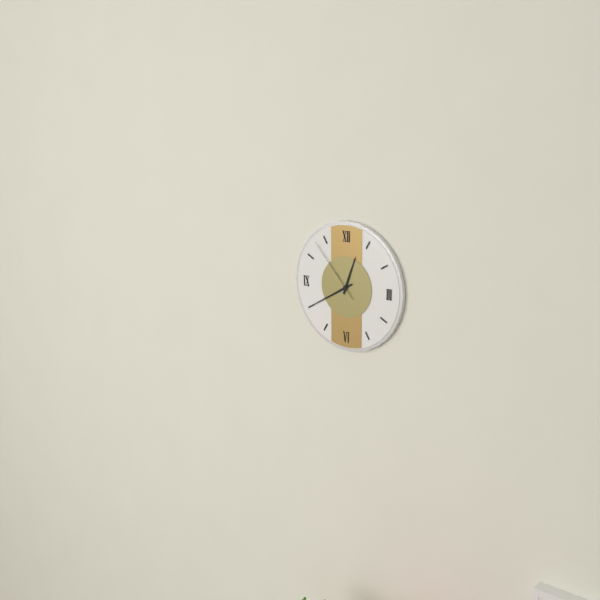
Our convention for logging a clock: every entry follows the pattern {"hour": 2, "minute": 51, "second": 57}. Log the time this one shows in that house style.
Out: {"hour": 12, "minute": 40, "second": 53}
